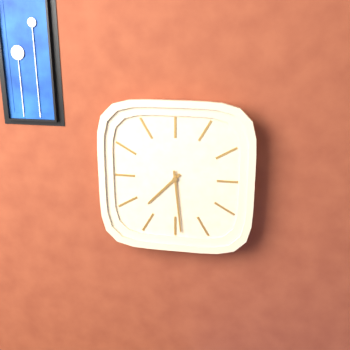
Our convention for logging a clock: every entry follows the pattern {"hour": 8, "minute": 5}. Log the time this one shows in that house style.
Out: {"hour": 7, "minute": 29}
